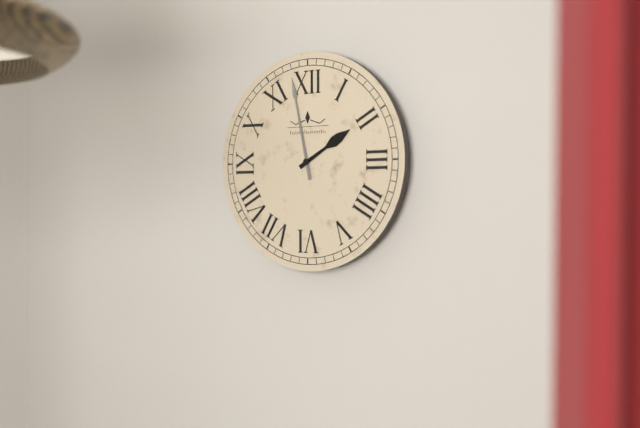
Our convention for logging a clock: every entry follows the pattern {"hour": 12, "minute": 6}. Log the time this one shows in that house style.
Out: {"hour": 1, "minute": 58}
